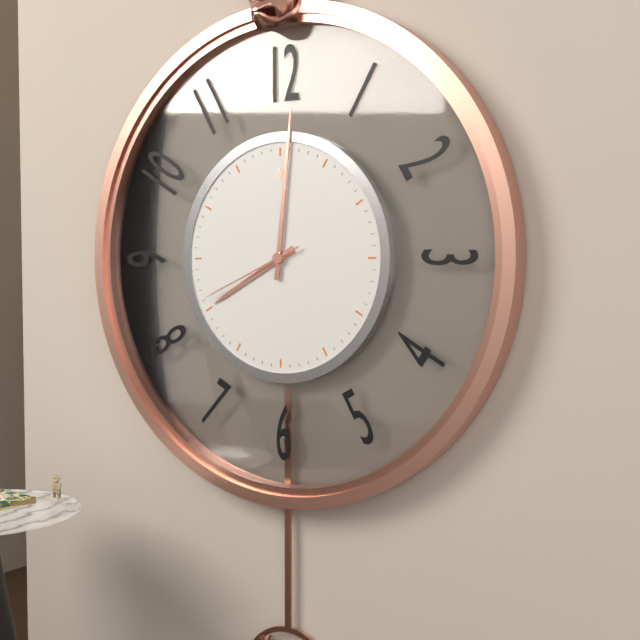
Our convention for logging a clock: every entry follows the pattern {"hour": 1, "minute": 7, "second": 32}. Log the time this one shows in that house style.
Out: {"hour": 8, "minute": 1, "second": 41}
